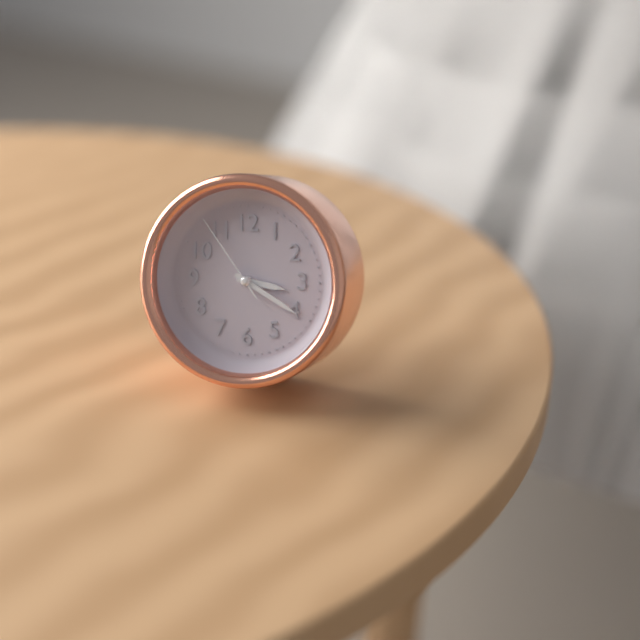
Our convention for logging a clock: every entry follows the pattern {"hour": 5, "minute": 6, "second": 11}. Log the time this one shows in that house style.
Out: {"hour": 3, "minute": 20, "second": 54}
